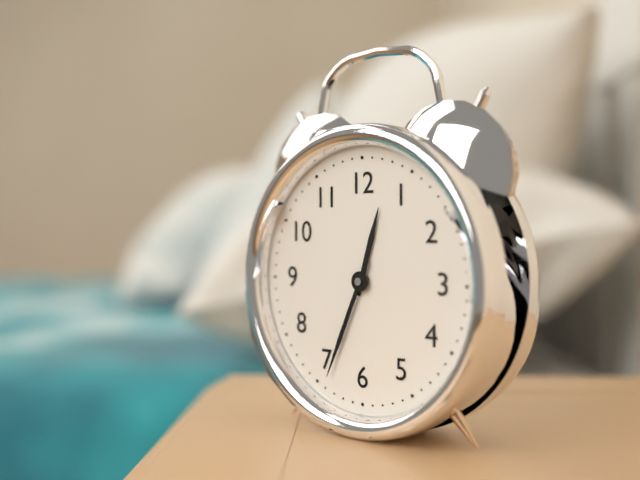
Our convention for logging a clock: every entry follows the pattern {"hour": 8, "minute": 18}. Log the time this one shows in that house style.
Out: {"hour": 12, "minute": 34}
